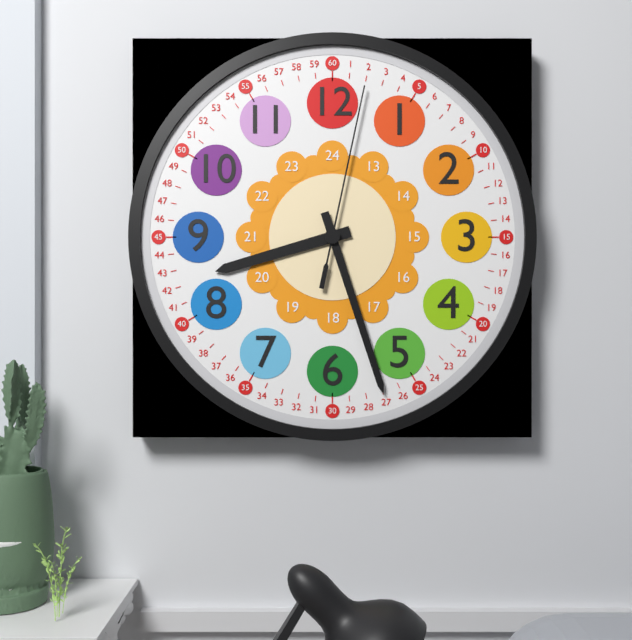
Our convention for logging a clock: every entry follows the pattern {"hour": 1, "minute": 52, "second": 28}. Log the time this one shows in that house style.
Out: {"hour": 8, "minute": 27, "second": 2}
